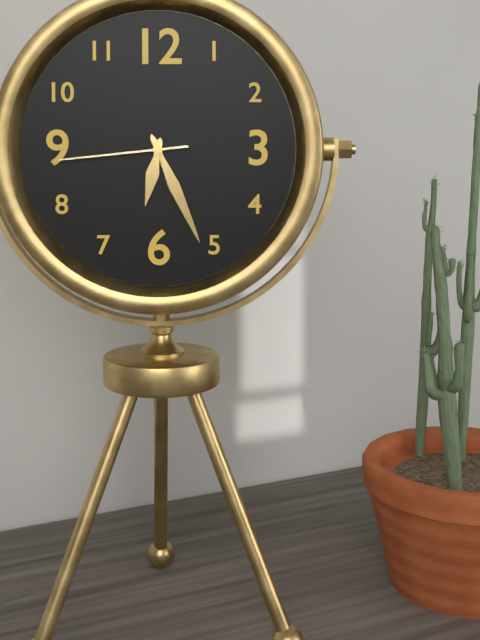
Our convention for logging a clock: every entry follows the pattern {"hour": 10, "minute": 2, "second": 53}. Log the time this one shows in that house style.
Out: {"hour": 6, "minute": 26, "second": 44}
